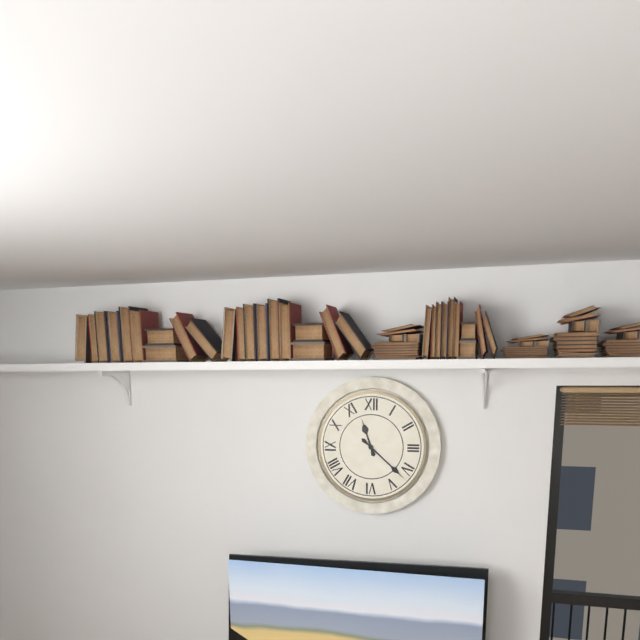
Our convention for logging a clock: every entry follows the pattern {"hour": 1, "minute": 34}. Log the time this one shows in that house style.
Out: {"hour": 11, "minute": 22}
